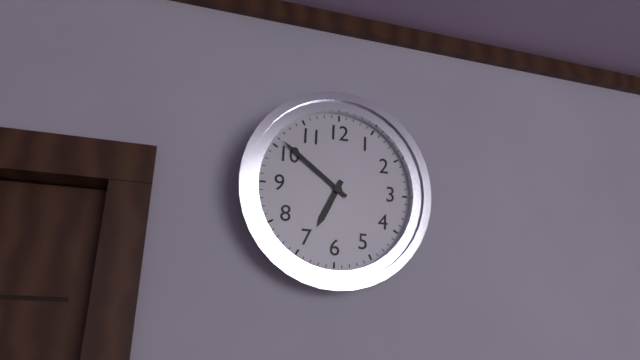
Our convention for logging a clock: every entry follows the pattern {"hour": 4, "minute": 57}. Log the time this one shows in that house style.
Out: {"hour": 6, "minute": 51}
